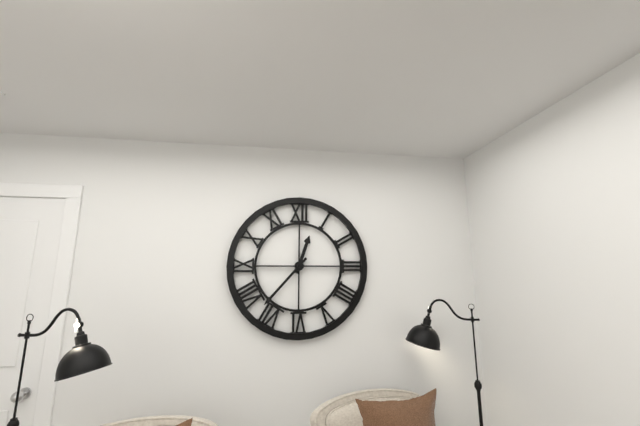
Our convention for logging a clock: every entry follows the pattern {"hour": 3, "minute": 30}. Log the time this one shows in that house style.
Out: {"hour": 12, "minute": 37}
